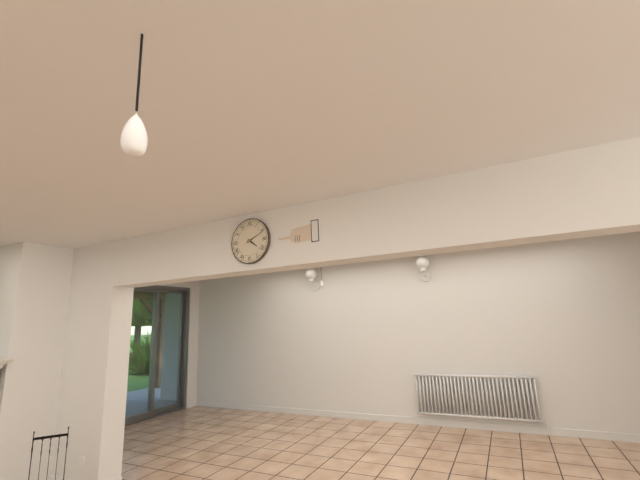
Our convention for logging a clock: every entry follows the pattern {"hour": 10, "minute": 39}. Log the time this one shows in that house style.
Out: {"hour": 4, "minute": 11}
